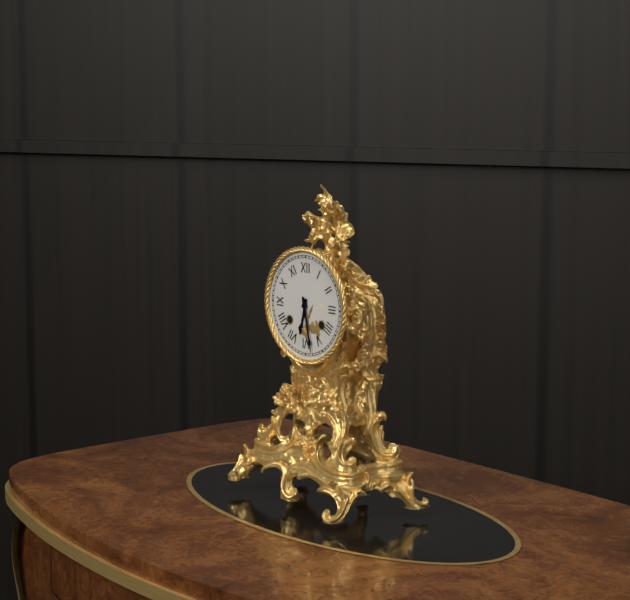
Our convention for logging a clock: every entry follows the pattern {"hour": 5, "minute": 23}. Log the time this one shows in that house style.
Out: {"hour": 6, "minute": 28}
